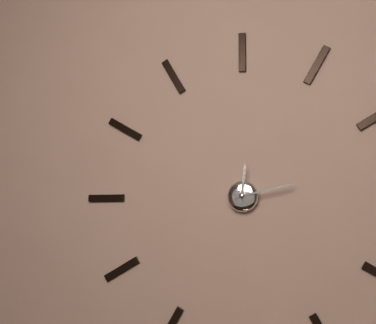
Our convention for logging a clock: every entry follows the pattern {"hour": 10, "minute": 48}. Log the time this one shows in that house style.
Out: {"hour": 12, "minute": 13}
